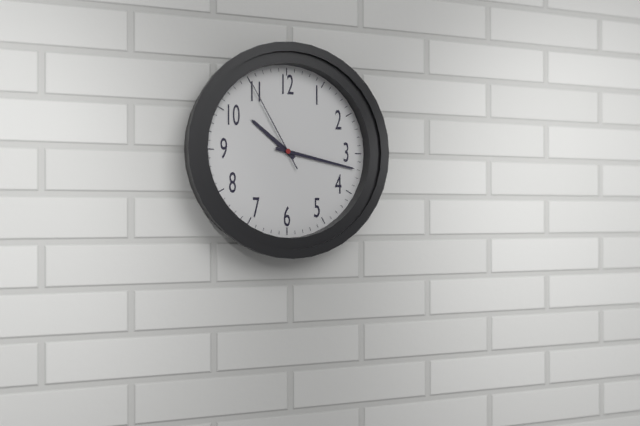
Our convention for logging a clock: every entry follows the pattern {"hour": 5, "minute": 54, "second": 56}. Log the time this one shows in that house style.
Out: {"hour": 10, "minute": 17, "second": 55}
